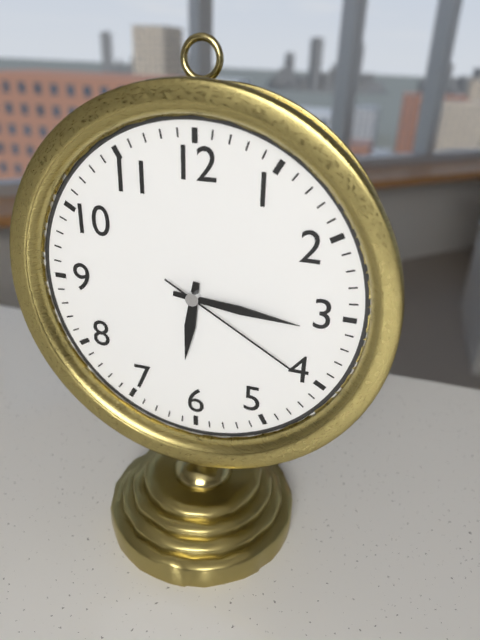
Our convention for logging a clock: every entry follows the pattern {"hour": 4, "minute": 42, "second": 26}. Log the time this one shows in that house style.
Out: {"hour": 6, "minute": 16, "second": 20}
